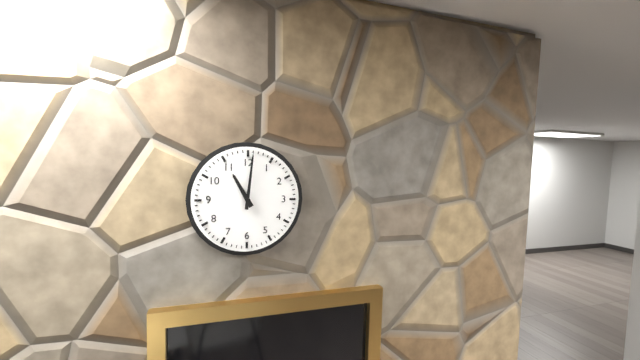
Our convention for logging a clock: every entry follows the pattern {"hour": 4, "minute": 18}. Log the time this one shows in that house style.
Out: {"hour": 11, "minute": 1}
